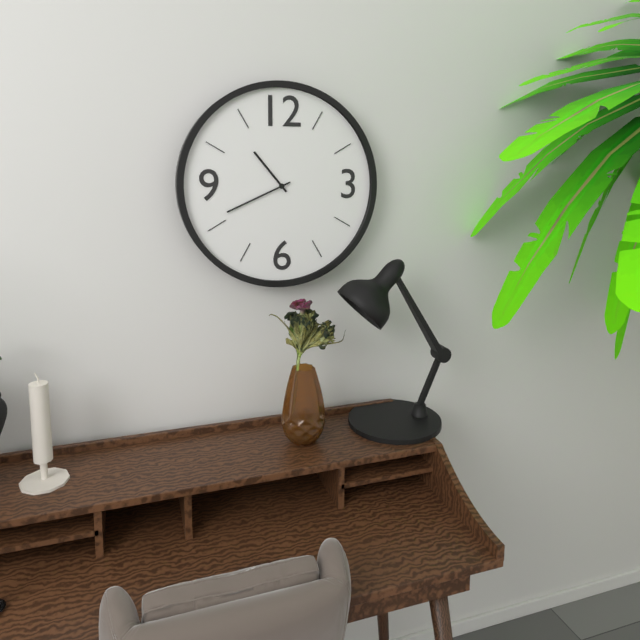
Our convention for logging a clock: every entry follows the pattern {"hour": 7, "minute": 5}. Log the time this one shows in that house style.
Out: {"hour": 10, "minute": 41}
